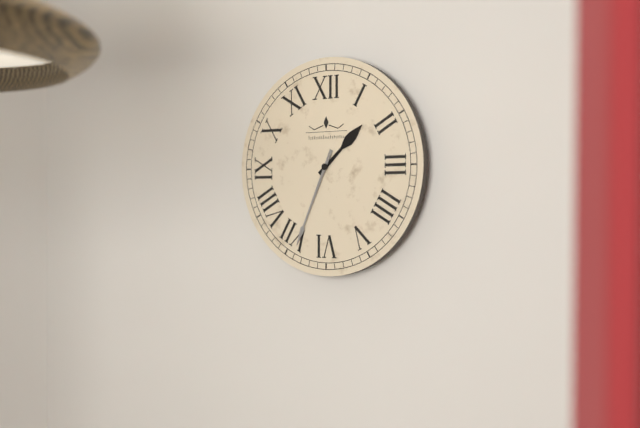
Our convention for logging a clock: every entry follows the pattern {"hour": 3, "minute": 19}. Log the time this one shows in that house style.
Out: {"hour": 1, "minute": 34}
